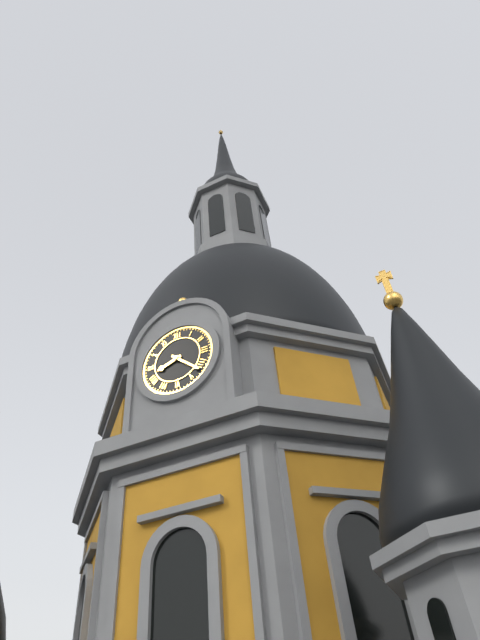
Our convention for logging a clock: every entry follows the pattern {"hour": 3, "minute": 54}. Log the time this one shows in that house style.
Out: {"hour": 8, "minute": 22}
